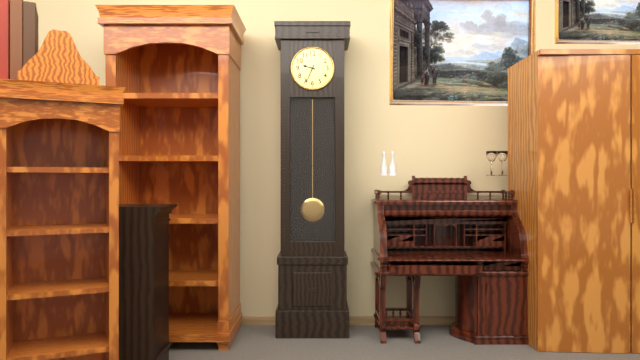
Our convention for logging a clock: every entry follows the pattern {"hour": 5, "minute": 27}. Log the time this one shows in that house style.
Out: {"hour": 9, "minute": 34}
